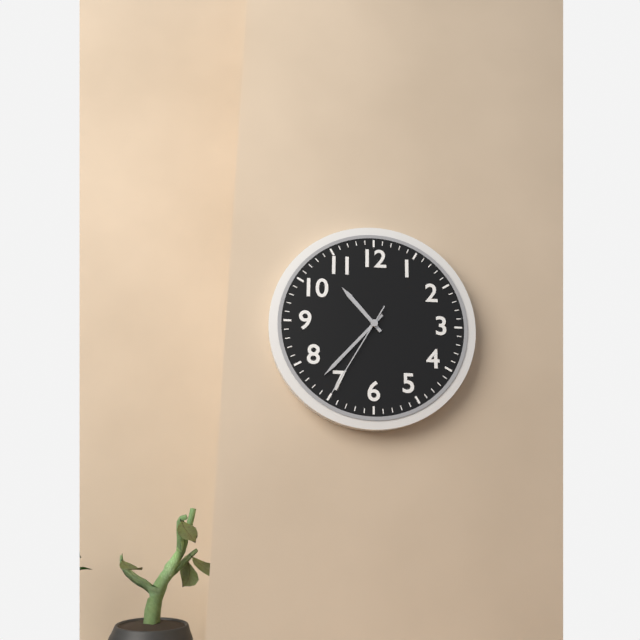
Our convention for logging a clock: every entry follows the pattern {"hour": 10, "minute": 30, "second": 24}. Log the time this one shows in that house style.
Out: {"hour": 10, "minute": 37, "second": 35}
